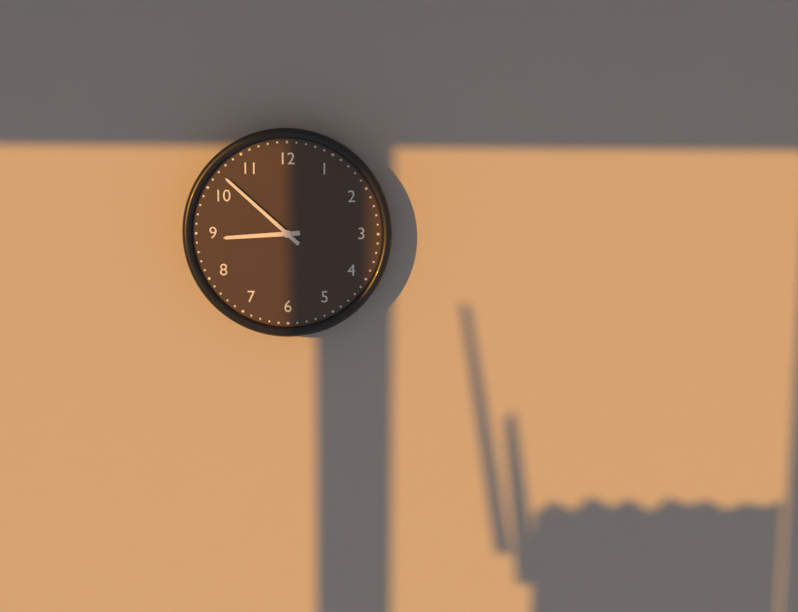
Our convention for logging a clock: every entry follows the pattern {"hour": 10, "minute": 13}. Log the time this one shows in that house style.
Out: {"hour": 8, "minute": 52}
